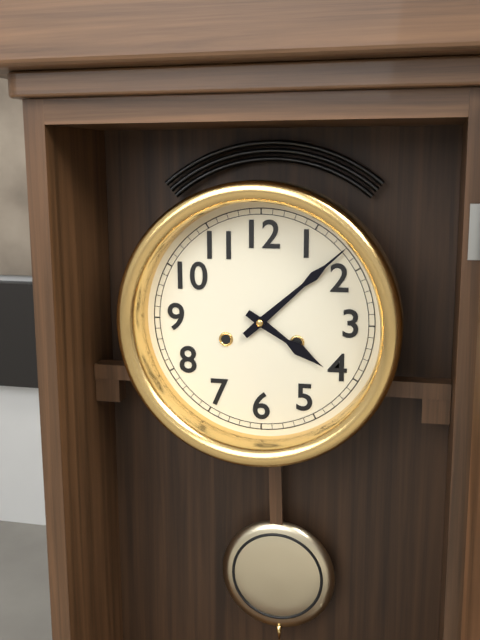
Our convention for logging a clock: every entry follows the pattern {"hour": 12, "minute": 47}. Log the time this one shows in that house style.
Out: {"hour": 4, "minute": 8}
